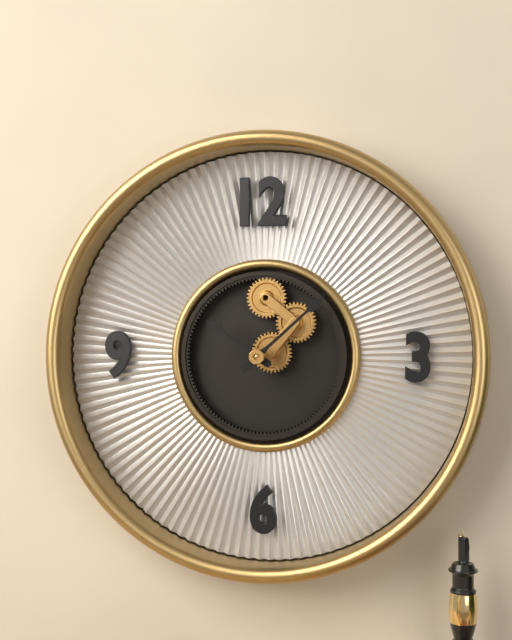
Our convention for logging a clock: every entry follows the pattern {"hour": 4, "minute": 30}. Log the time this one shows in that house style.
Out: {"hour": 10, "minute": 8}
